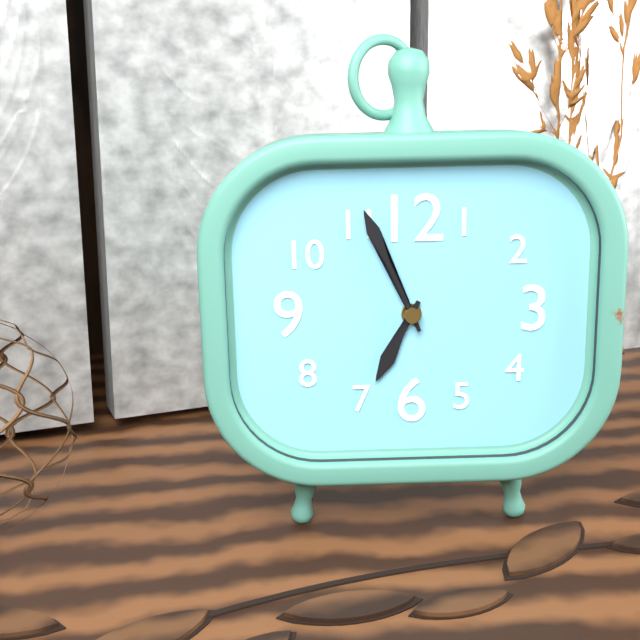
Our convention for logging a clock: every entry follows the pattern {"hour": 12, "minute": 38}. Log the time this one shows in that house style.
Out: {"hour": 6, "minute": 56}
